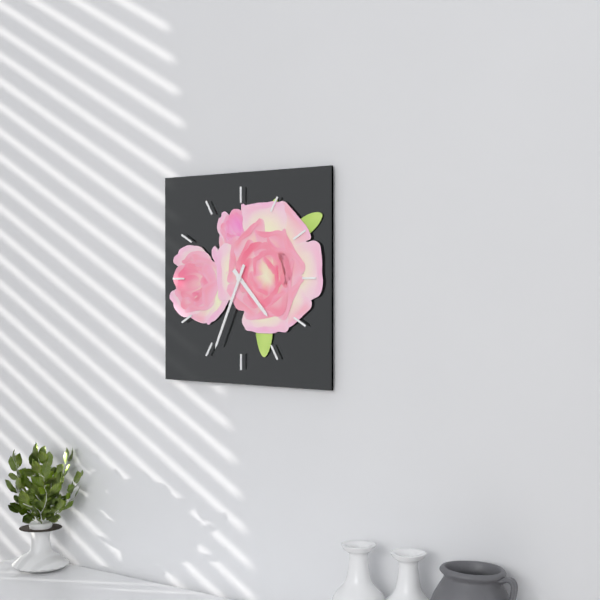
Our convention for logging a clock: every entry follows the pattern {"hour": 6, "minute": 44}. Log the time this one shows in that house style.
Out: {"hour": 4, "minute": 34}
